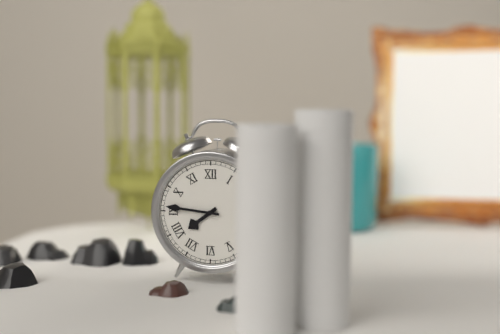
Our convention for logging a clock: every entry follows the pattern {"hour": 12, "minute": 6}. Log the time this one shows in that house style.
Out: {"hour": 7, "minute": 46}
